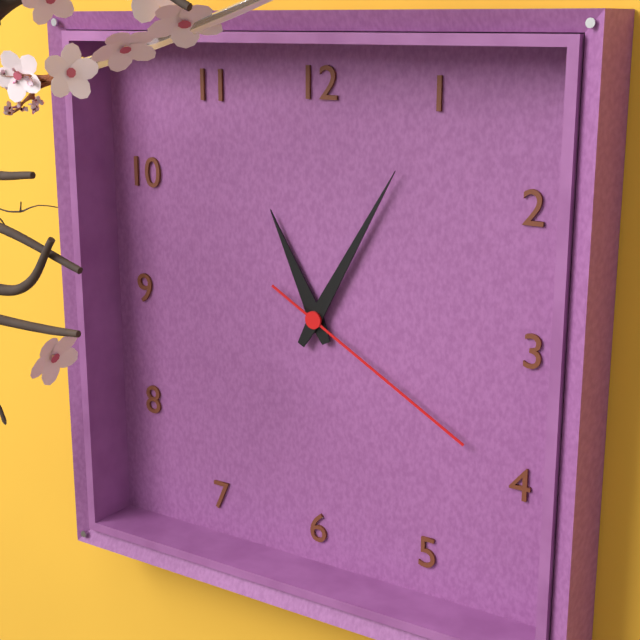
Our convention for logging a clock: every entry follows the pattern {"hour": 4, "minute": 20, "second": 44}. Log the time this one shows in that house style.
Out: {"hour": 11, "minute": 5, "second": 20}
